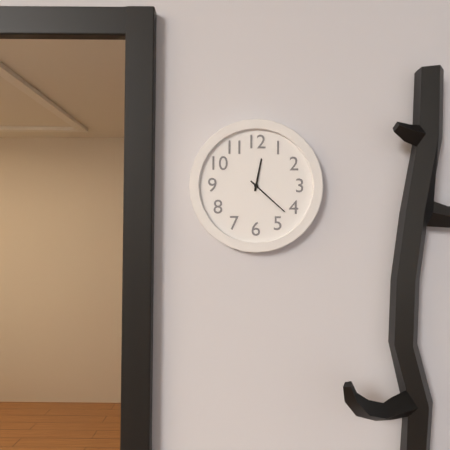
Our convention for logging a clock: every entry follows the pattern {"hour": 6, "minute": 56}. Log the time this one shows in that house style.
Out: {"hour": 12, "minute": 22}
